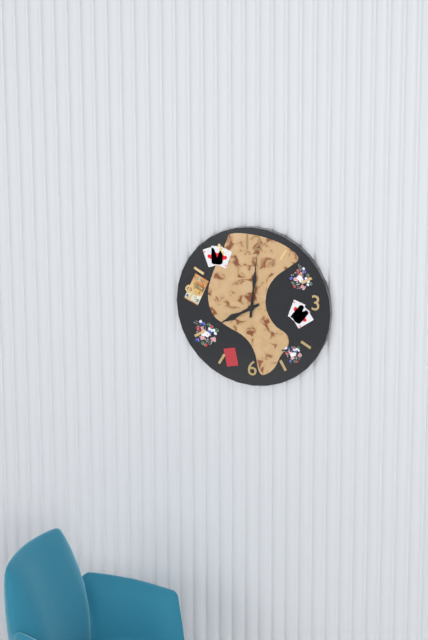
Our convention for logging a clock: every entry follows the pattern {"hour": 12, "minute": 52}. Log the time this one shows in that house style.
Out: {"hour": 8, "minute": 1}
